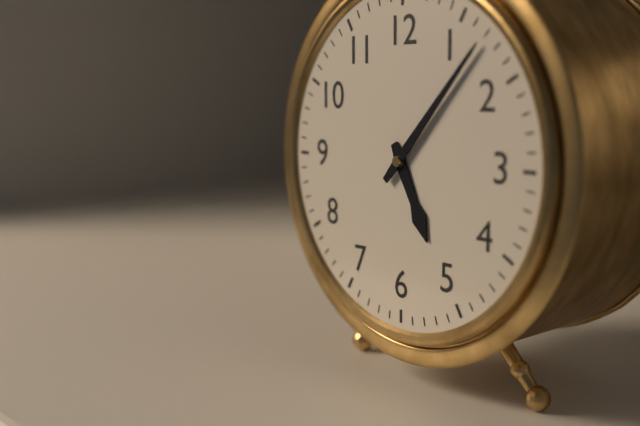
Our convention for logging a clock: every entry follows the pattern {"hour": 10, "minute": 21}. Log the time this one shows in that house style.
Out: {"hour": 5, "minute": 7}
